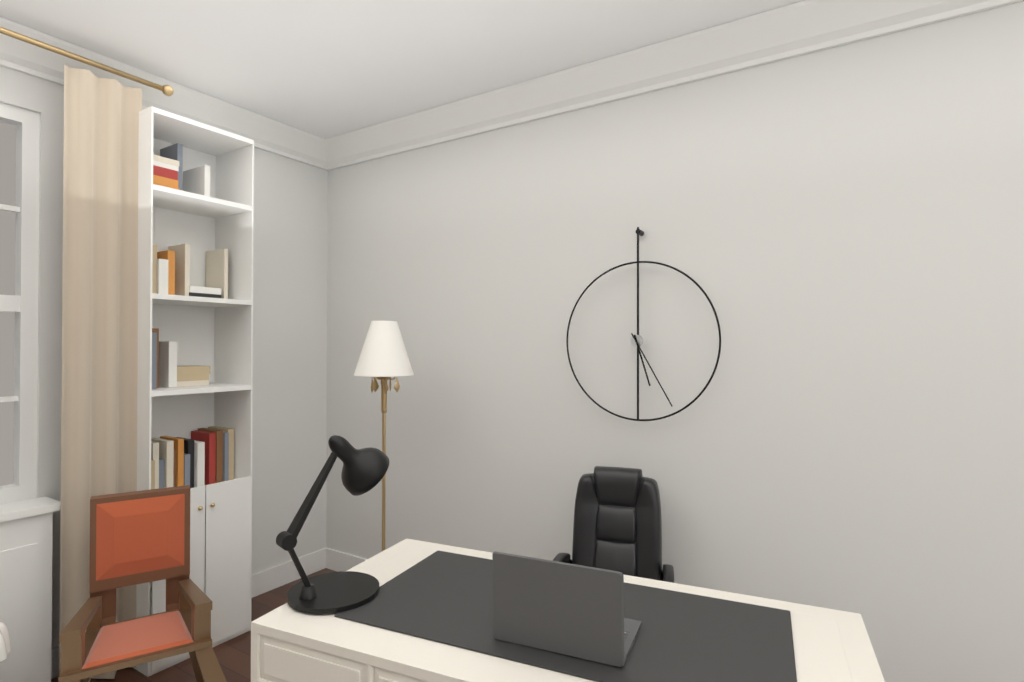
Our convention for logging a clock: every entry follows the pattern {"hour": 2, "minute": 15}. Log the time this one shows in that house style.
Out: {"hour": 5, "minute": 25}
